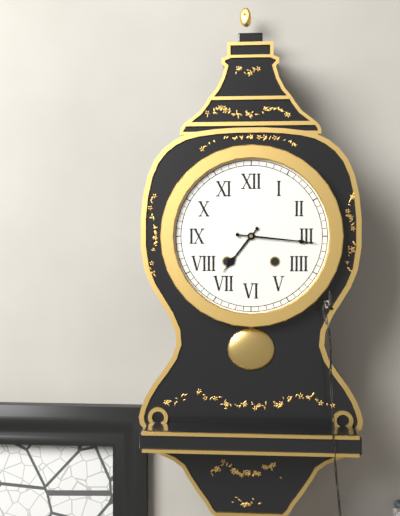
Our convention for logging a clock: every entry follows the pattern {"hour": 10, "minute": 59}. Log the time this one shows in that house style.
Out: {"hour": 7, "minute": 16}
